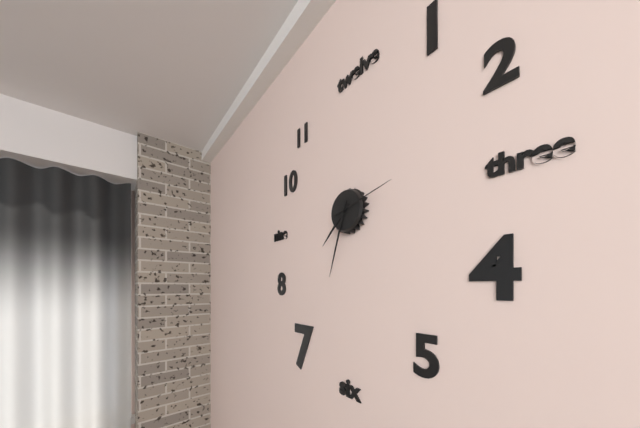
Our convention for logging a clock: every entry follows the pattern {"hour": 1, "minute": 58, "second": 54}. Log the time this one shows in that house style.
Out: {"hour": 7, "minute": 33, "second": 13}
